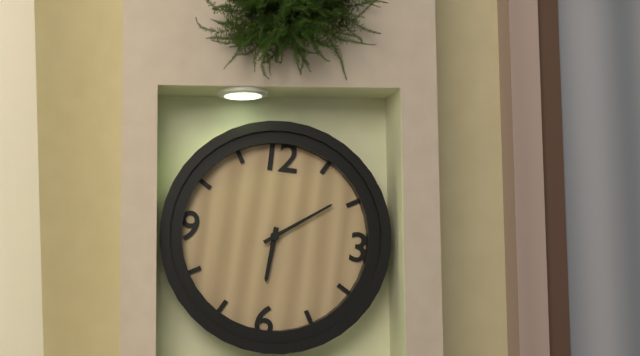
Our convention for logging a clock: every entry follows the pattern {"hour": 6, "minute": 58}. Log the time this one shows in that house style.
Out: {"hour": 6, "minute": 9}
